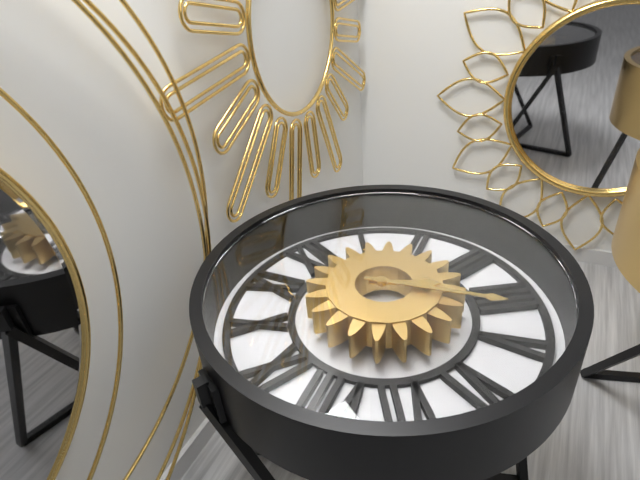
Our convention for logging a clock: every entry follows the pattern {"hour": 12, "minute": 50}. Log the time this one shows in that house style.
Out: {"hour": 4, "minute": 24}
